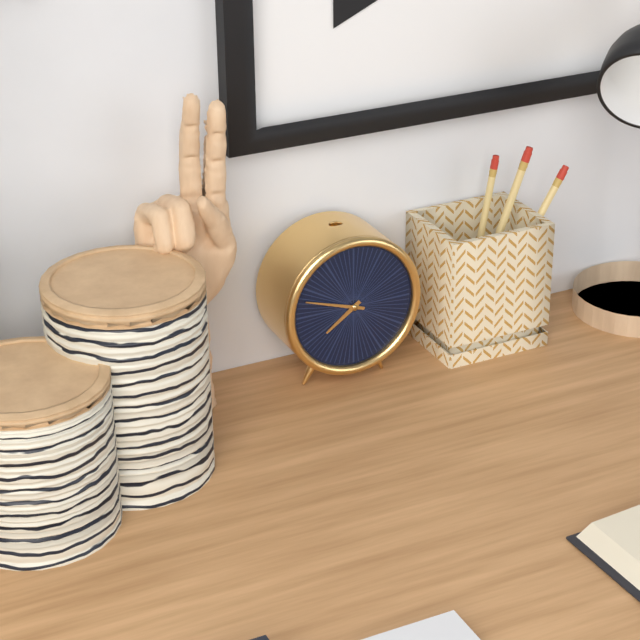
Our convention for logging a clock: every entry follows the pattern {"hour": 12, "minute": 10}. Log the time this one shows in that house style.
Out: {"hour": 7, "minute": 48}
